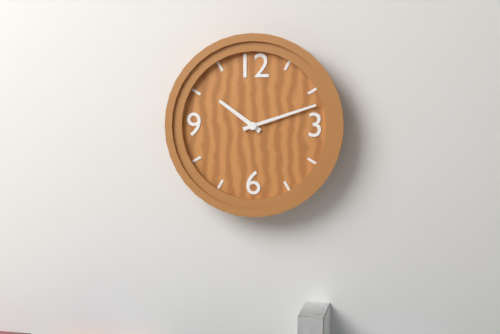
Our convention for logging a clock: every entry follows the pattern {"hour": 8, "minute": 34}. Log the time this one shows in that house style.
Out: {"hour": 10, "minute": 12}
